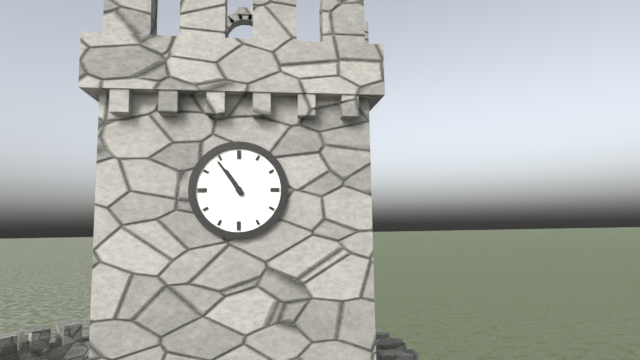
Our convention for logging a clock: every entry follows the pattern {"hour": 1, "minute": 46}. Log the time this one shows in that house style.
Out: {"hour": 10, "minute": 54}
